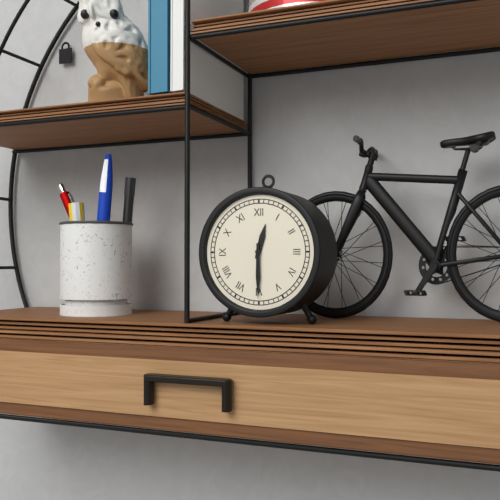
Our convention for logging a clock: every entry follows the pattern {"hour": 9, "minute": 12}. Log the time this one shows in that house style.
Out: {"hour": 12, "minute": 30}
